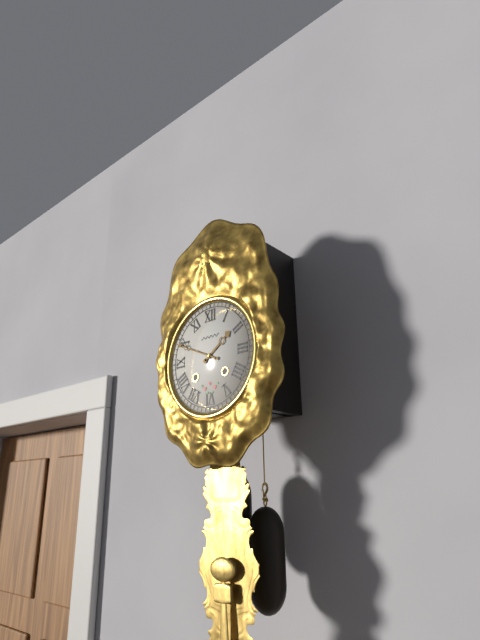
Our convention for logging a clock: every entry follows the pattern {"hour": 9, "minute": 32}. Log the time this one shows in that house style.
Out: {"hour": 1, "minute": 49}
